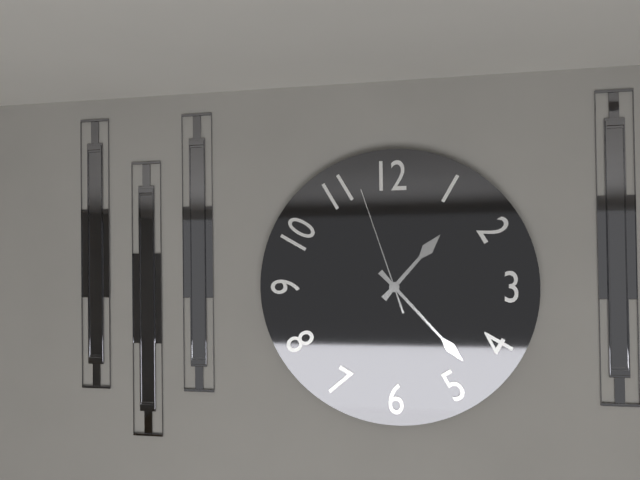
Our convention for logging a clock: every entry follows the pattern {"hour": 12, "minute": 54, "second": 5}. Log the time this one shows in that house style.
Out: {"hour": 1, "minute": 23, "second": 57}
